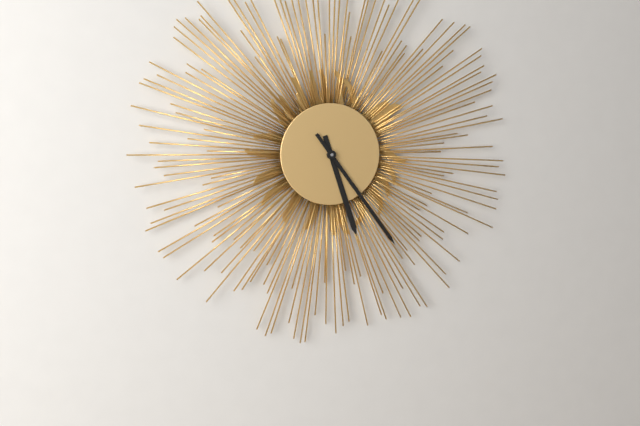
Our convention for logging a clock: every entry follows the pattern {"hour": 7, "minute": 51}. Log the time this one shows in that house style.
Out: {"hour": 5, "minute": 24}
